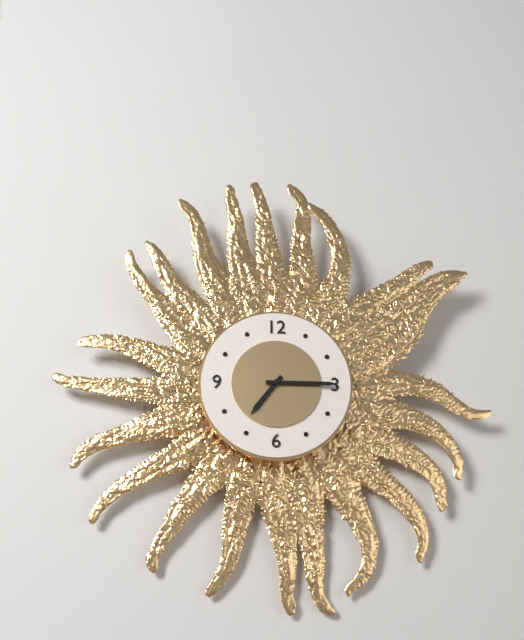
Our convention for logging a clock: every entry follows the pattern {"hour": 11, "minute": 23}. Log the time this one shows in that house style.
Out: {"hour": 7, "minute": 15}
